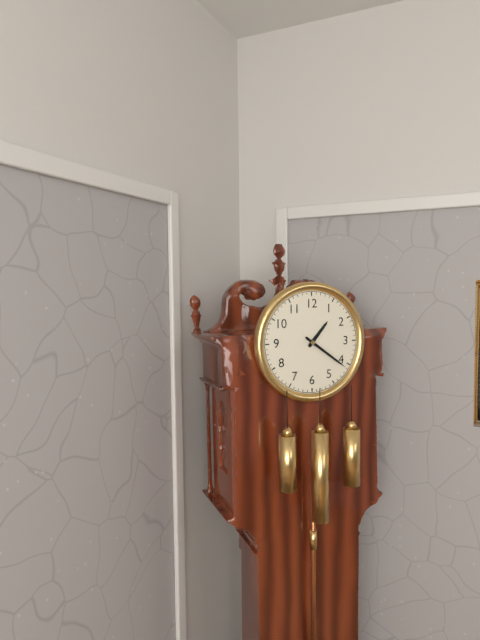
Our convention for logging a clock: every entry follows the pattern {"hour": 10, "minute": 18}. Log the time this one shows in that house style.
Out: {"hour": 1, "minute": 21}
